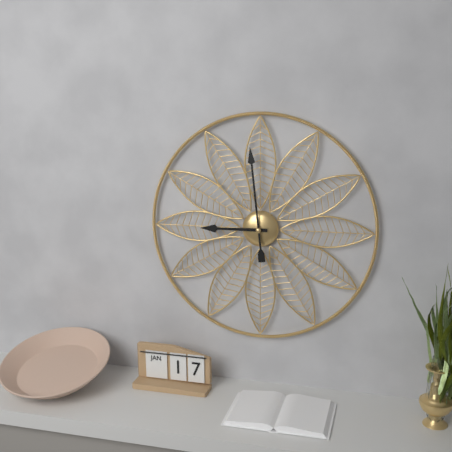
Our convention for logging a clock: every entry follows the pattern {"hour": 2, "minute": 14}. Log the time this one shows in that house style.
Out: {"hour": 8, "minute": 59}
